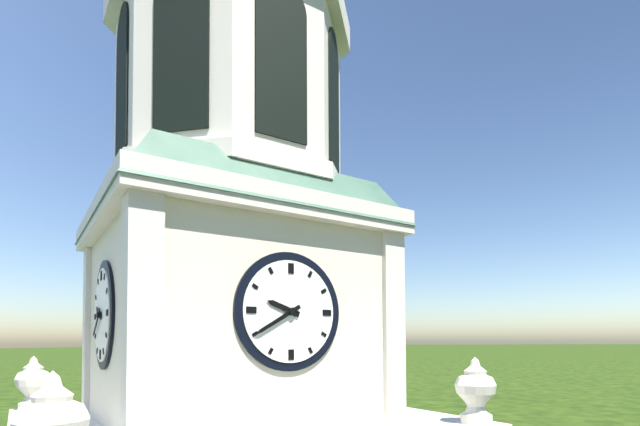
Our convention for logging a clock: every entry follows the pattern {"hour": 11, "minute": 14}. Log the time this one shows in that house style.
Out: {"hour": 9, "minute": 40}
